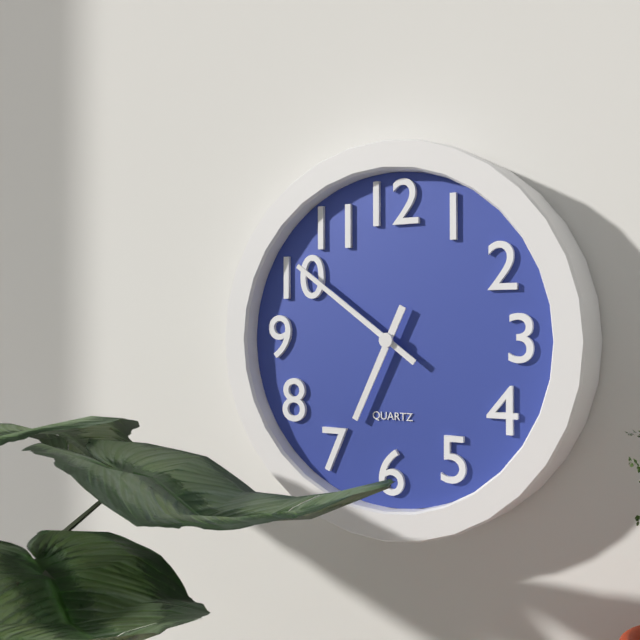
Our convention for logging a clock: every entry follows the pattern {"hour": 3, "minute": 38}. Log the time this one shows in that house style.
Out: {"hour": 6, "minute": 51}
